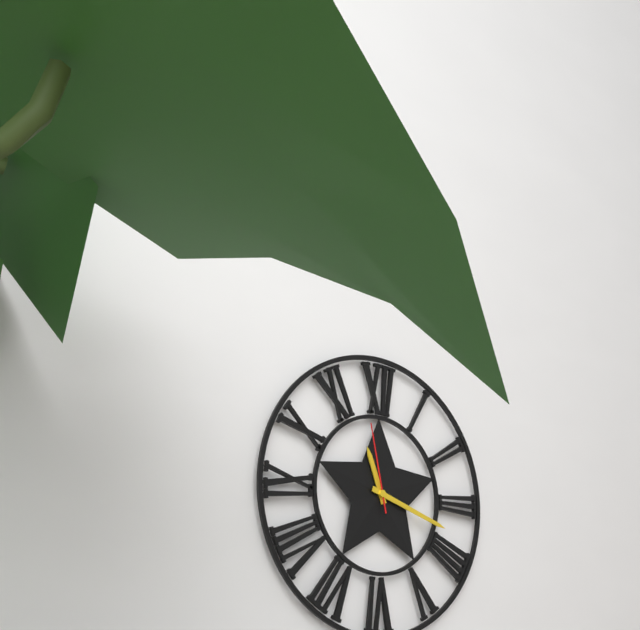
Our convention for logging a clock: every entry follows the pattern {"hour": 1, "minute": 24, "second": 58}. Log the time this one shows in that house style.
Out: {"hour": 11, "minute": 18, "second": 58}
